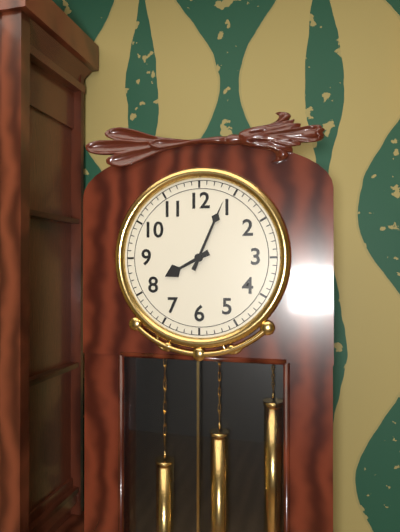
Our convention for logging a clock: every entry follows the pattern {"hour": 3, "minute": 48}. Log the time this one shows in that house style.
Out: {"hour": 8, "minute": 4}
